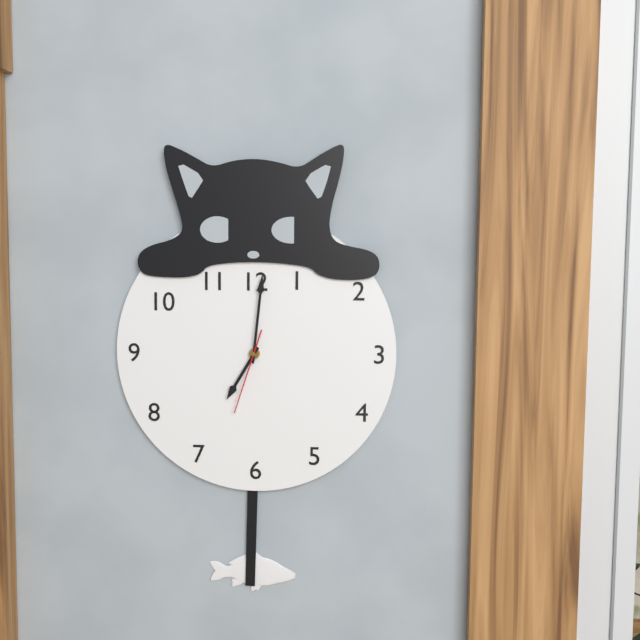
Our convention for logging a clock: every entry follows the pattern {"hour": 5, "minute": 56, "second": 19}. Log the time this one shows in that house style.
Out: {"hour": 7, "minute": 1, "second": 33}
